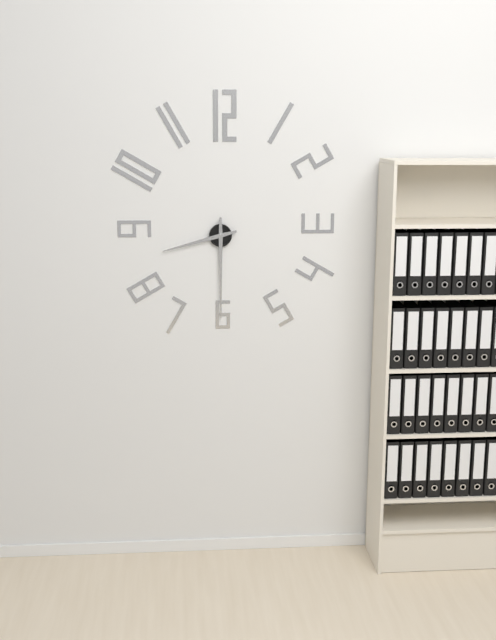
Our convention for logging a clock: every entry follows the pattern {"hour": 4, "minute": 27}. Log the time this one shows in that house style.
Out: {"hour": 8, "minute": 30}
